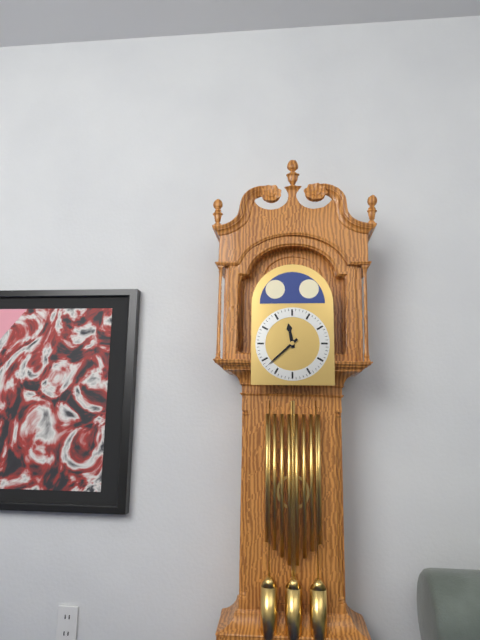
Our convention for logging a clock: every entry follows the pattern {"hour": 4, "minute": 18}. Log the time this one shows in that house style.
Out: {"hour": 11, "minute": 38}
